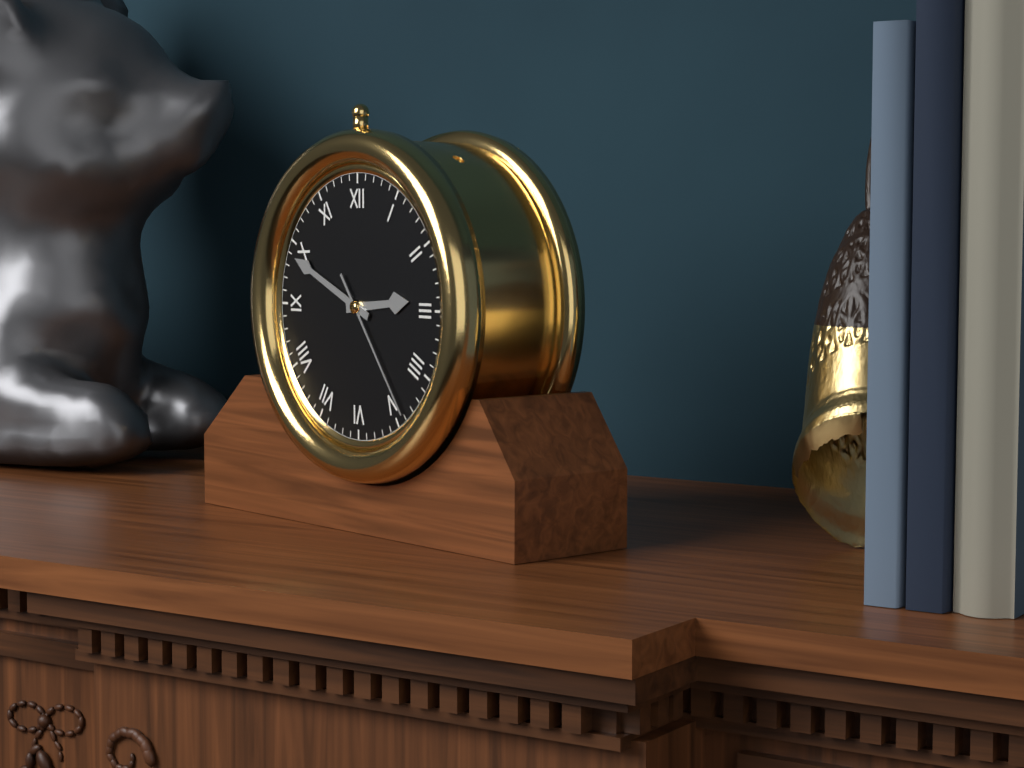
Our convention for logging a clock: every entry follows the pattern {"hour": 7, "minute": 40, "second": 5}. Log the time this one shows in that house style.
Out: {"hour": 2, "minute": 49, "second": 24}
